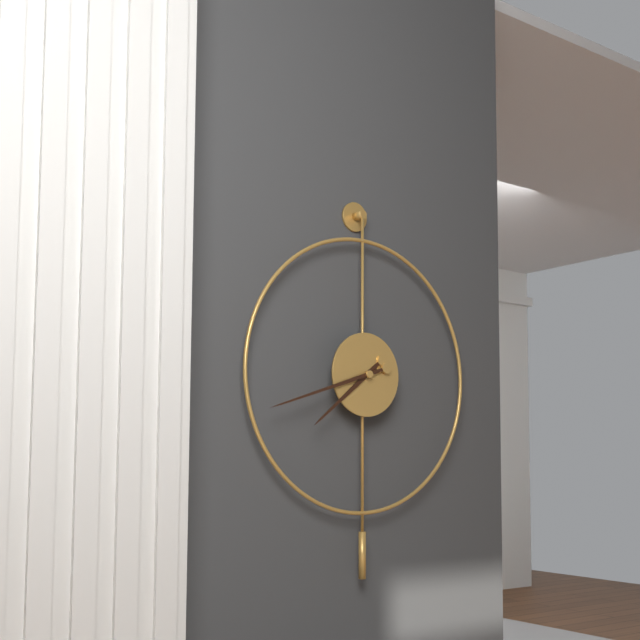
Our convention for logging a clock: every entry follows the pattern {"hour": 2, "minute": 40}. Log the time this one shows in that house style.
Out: {"hour": 7, "minute": 42}
